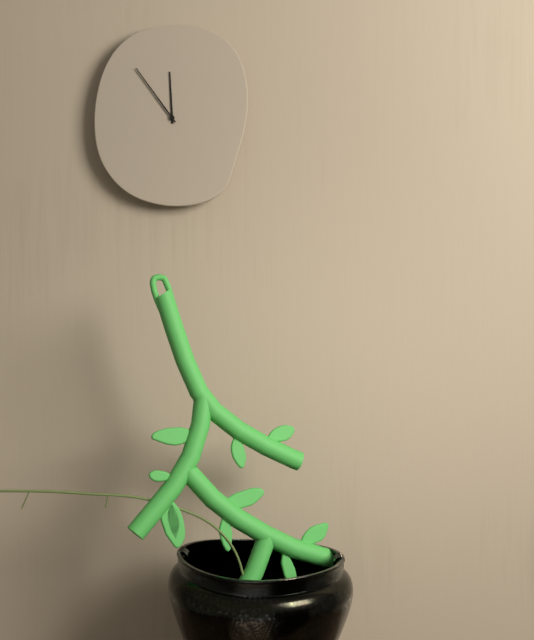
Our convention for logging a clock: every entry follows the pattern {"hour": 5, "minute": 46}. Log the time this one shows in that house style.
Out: {"hour": 11, "minute": 54}
